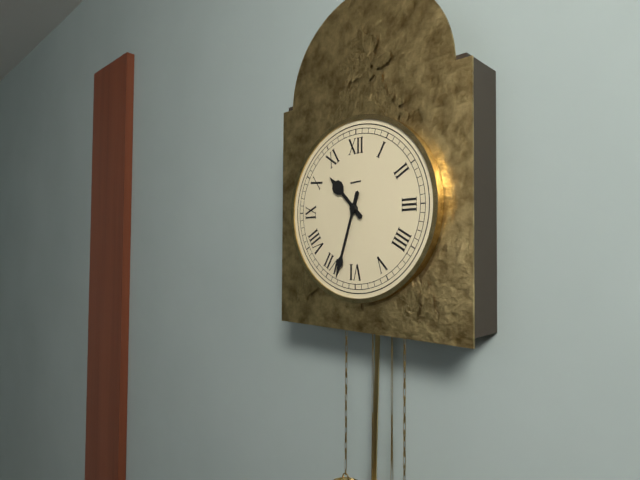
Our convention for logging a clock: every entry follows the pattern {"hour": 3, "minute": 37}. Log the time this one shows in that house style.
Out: {"hour": 10, "minute": 33}
